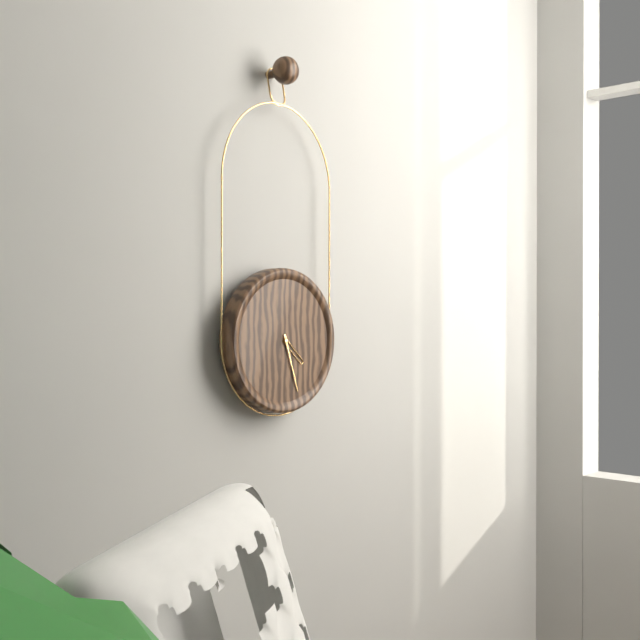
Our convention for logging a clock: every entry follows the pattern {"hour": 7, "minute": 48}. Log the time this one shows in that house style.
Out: {"hour": 4, "minute": 27}
